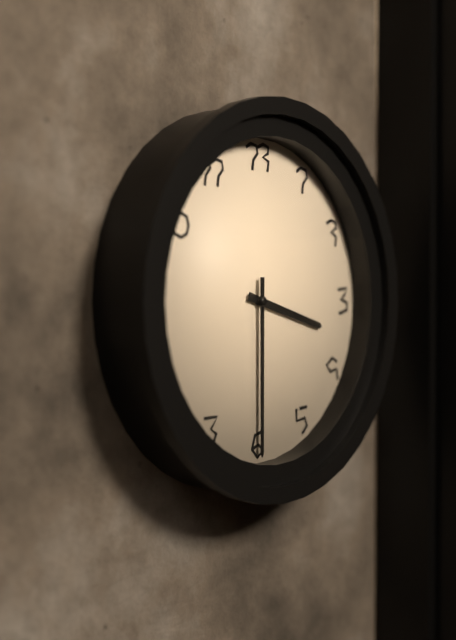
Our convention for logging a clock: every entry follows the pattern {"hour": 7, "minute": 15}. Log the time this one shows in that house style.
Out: {"hour": 3, "minute": 30}
